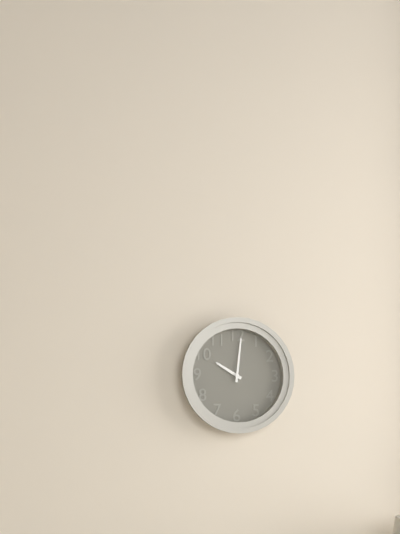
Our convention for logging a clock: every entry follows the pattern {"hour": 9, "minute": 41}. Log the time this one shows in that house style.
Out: {"hour": 10, "minute": 1}
